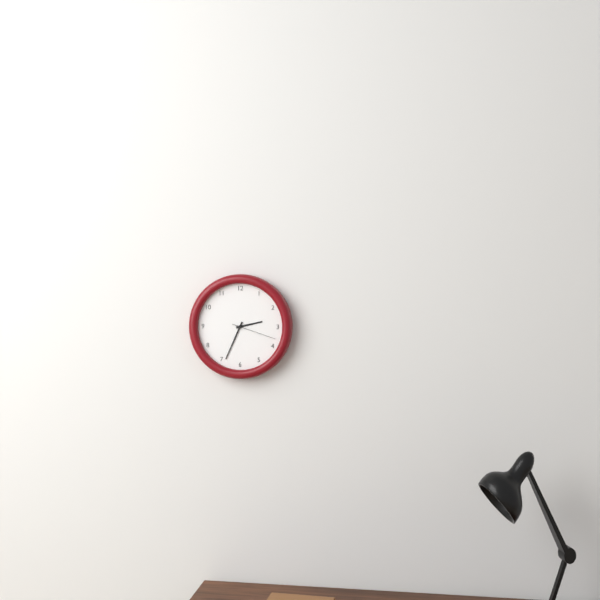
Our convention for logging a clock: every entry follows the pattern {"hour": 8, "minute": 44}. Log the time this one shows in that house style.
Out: {"hour": 2, "minute": 34}
